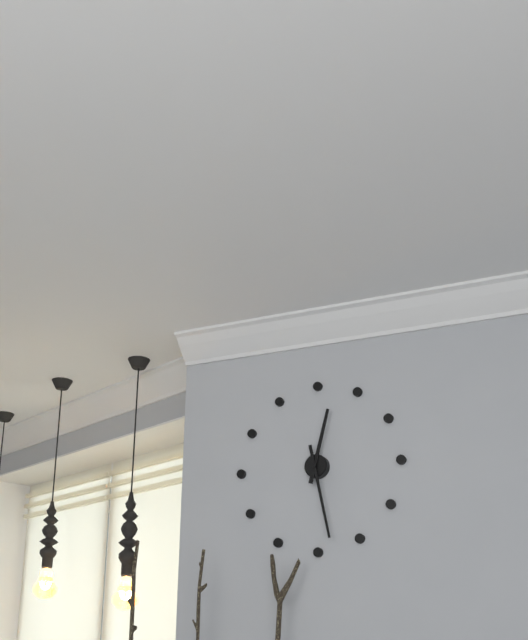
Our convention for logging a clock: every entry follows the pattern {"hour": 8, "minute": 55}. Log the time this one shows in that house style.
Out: {"hour": 12, "minute": 28}
